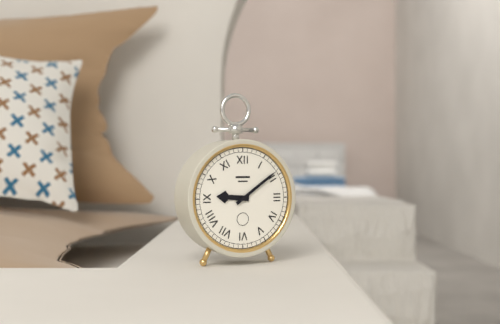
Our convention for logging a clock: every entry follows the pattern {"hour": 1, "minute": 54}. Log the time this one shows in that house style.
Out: {"hour": 9, "minute": 9}
